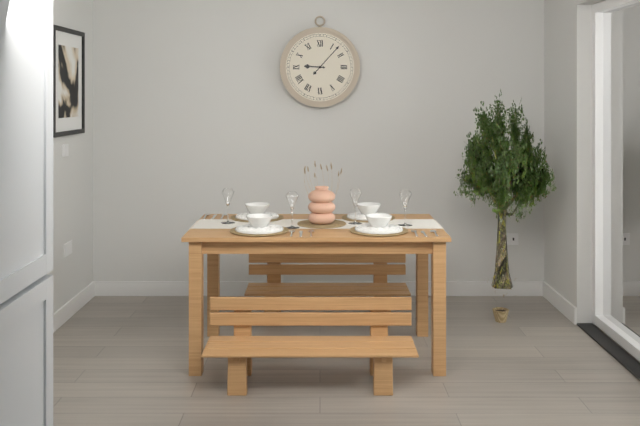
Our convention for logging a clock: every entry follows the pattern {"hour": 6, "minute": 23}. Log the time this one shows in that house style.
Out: {"hour": 9, "minute": 7}
